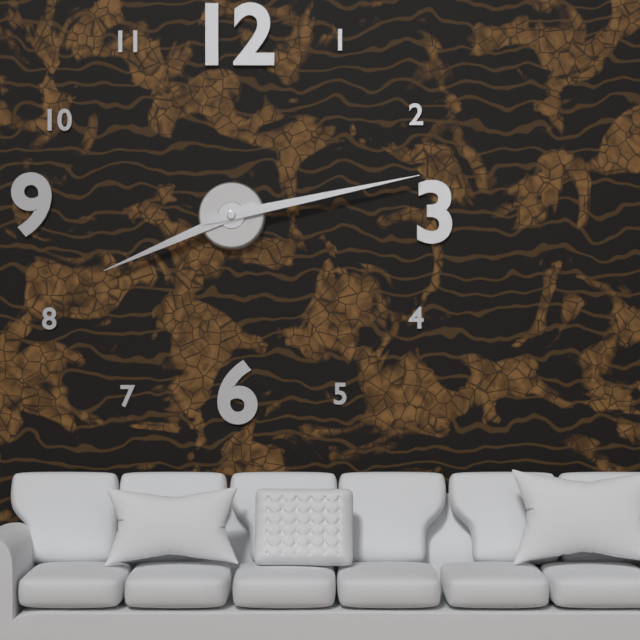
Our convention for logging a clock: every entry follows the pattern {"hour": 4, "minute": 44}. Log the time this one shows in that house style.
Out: {"hour": 8, "minute": 13}
